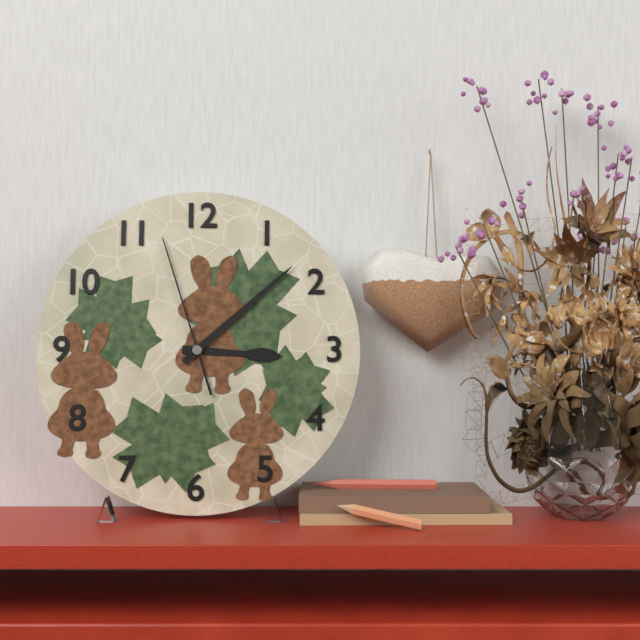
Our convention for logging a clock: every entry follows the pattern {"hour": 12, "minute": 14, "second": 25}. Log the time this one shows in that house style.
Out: {"hour": 3, "minute": 8, "second": 57}
